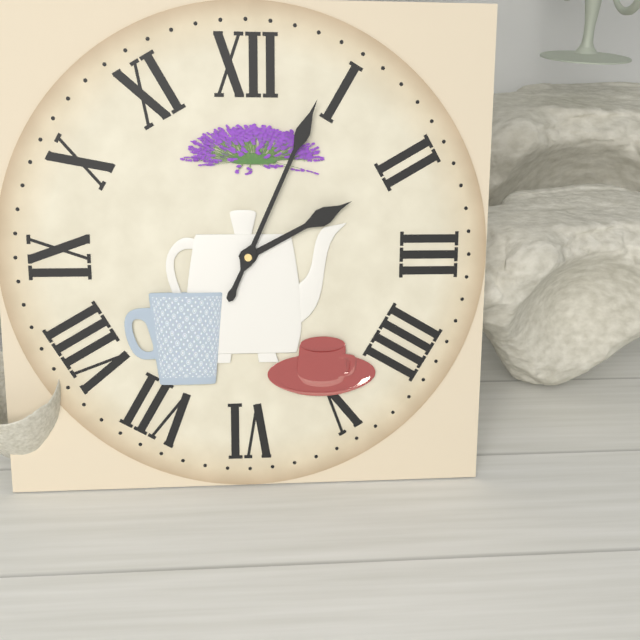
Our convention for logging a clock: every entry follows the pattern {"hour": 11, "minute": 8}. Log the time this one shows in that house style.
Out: {"hour": 2, "minute": 4}
